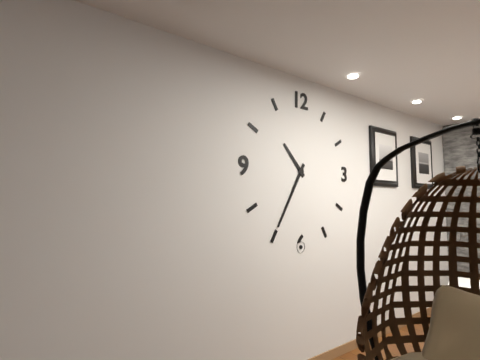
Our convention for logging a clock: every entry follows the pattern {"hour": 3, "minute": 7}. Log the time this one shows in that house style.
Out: {"hour": 10, "minute": 35}
